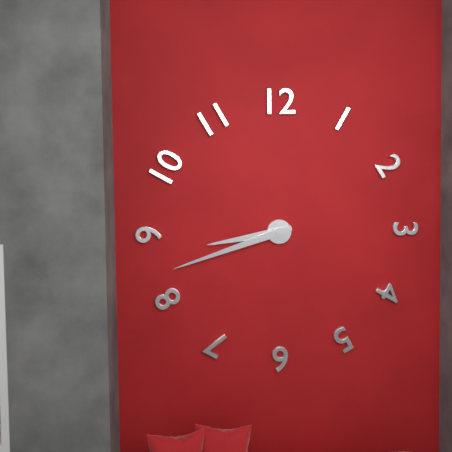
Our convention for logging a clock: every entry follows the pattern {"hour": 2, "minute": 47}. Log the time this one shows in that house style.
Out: {"hour": 8, "minute": 42}
